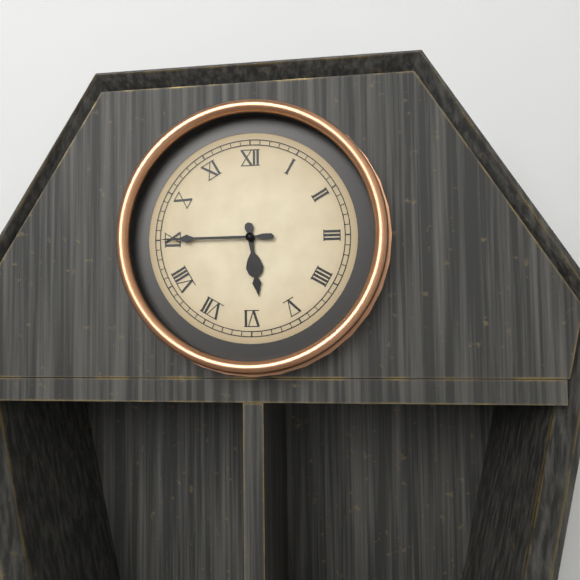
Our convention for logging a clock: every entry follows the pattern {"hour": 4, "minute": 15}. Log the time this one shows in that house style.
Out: {"hour": 5, "minute": 45}
